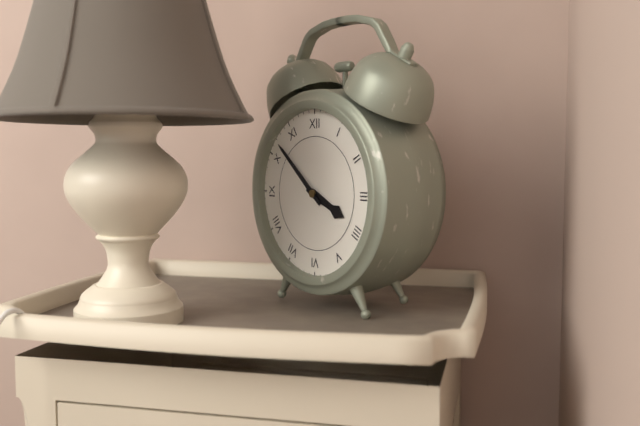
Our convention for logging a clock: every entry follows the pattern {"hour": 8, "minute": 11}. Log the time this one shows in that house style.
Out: {"hour": 3, "minute": 52}
